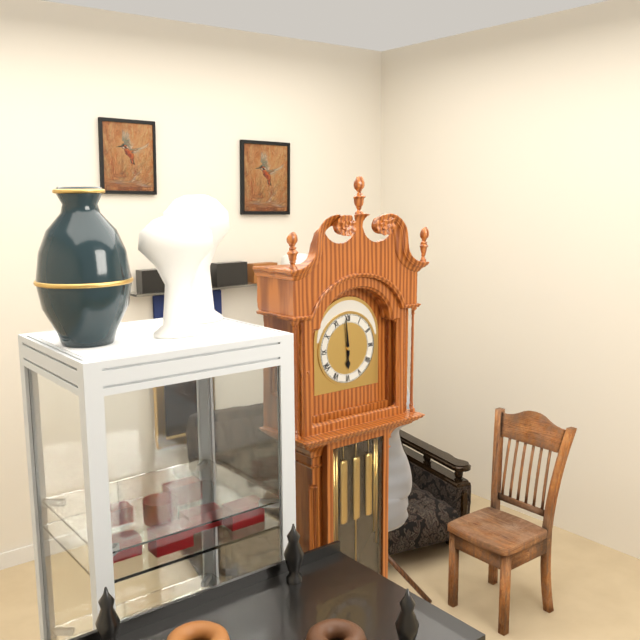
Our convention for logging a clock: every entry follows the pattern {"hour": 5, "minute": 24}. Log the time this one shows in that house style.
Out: {"hour": 5, "minute": 59}
